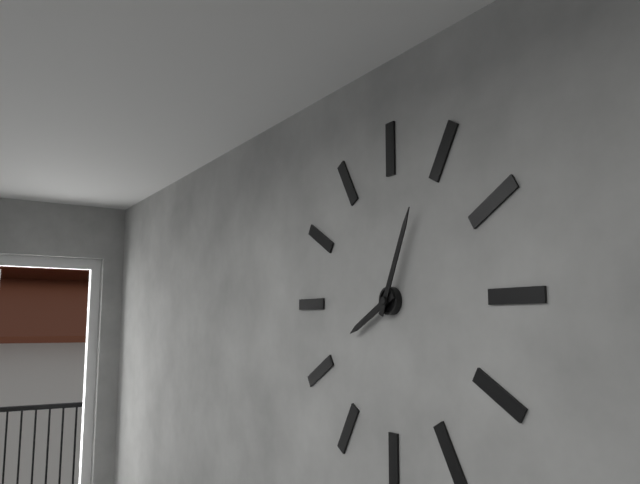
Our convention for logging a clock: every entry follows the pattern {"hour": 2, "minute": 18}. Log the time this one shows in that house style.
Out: {"hour": 8, "minute": 4}
